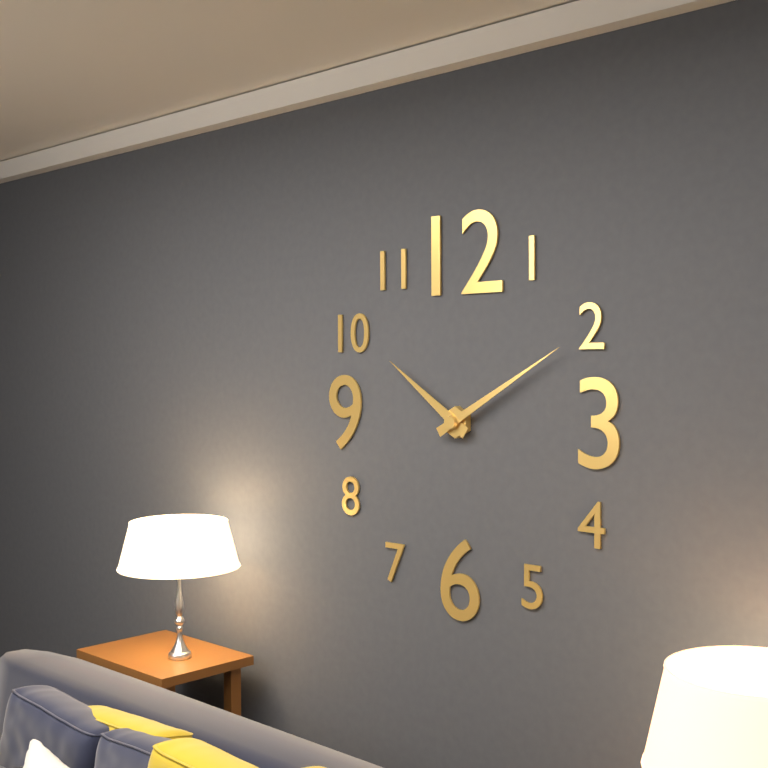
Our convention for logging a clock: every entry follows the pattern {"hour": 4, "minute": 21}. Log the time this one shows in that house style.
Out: {"hour": 10, "minute": 10}
